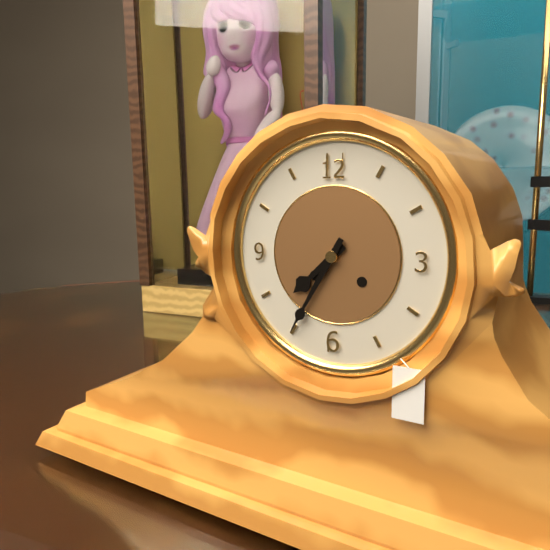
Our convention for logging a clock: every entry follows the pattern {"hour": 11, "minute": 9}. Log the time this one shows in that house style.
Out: {"hour": 7, "minute": 35}
